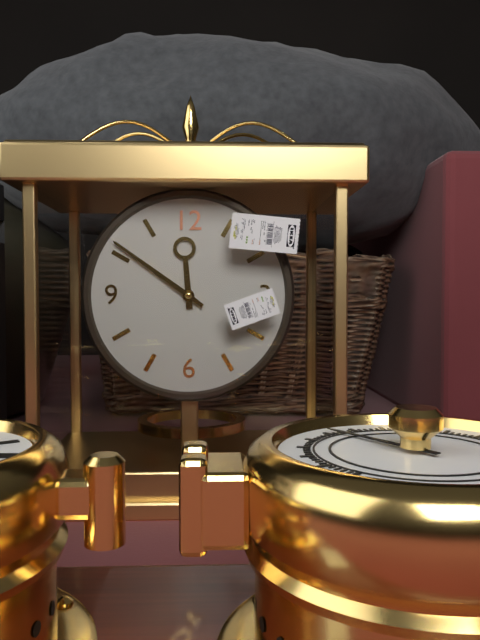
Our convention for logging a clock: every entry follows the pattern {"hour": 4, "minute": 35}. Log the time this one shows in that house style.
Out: {"hour": 11, "minute": 51}
